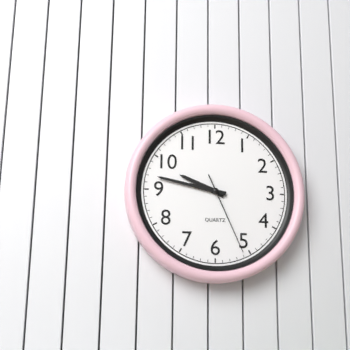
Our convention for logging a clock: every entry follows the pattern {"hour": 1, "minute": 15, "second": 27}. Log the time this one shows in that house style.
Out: {"hour": 9, "minute": 47, "second": 26}
